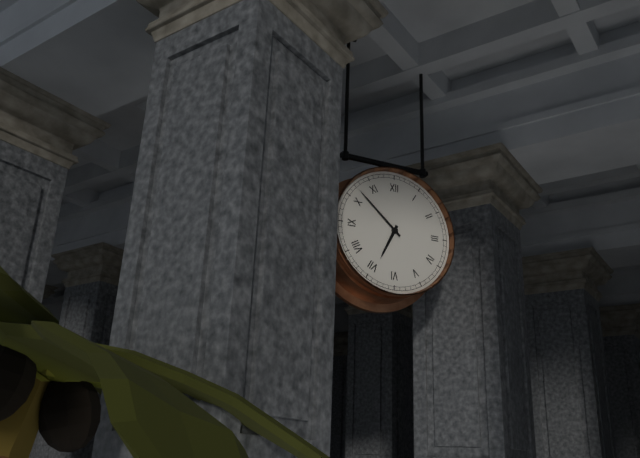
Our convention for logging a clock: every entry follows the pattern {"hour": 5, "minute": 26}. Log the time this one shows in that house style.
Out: {"hour": 6, "minute": 52}
